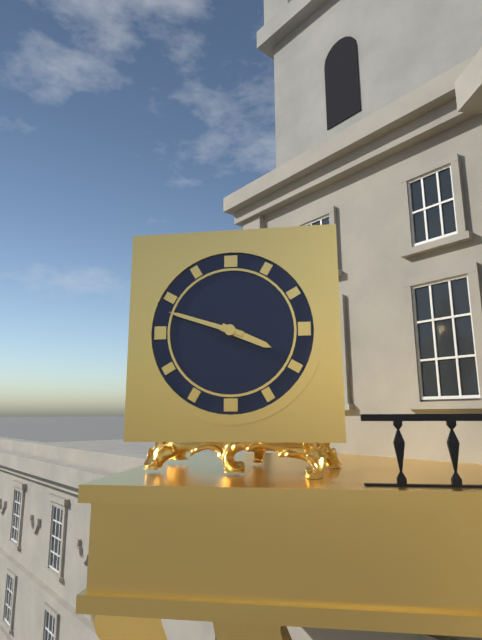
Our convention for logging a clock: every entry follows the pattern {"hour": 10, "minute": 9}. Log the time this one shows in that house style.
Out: {"hour": 3, "minute": 48}
